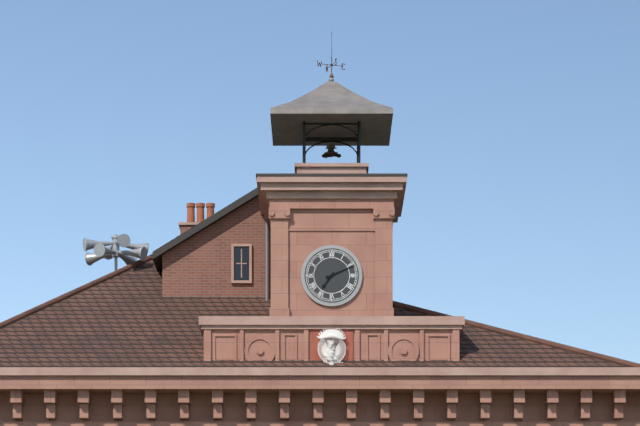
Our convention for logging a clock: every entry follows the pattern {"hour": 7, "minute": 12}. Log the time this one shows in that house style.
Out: {"hour": 7, "minute": 11}
